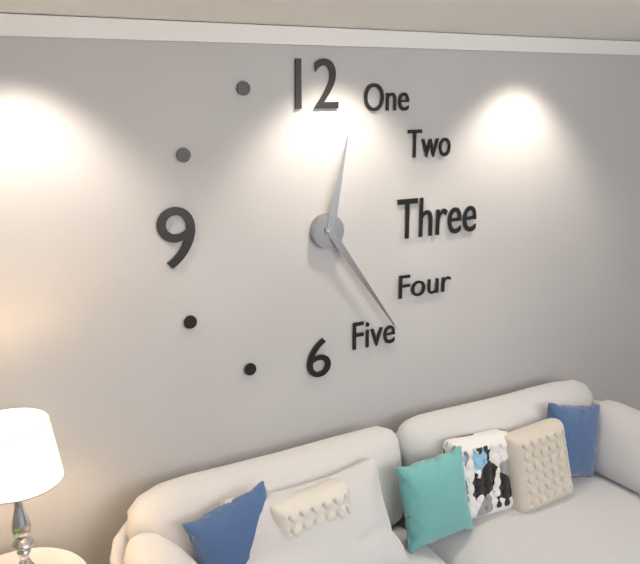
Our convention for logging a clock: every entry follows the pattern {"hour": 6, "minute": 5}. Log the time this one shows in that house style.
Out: {"hour": 12, "minute": 24}
